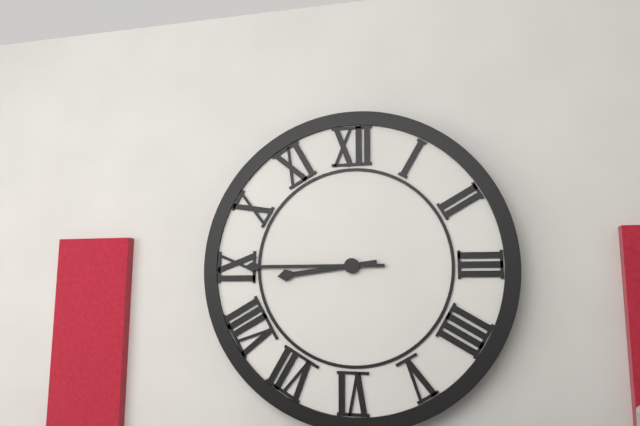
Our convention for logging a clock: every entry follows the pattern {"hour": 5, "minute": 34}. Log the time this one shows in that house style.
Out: {"hour": 8, "minute": 45}
